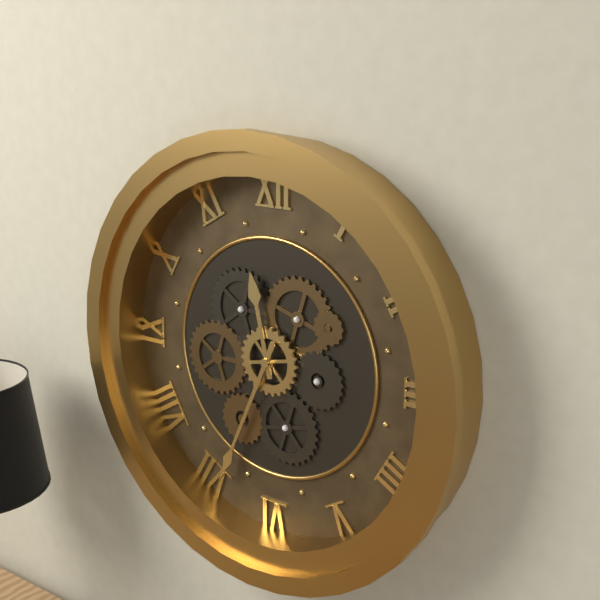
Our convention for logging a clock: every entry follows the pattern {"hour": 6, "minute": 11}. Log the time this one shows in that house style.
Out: {"hour": 11, "minute": 34}
